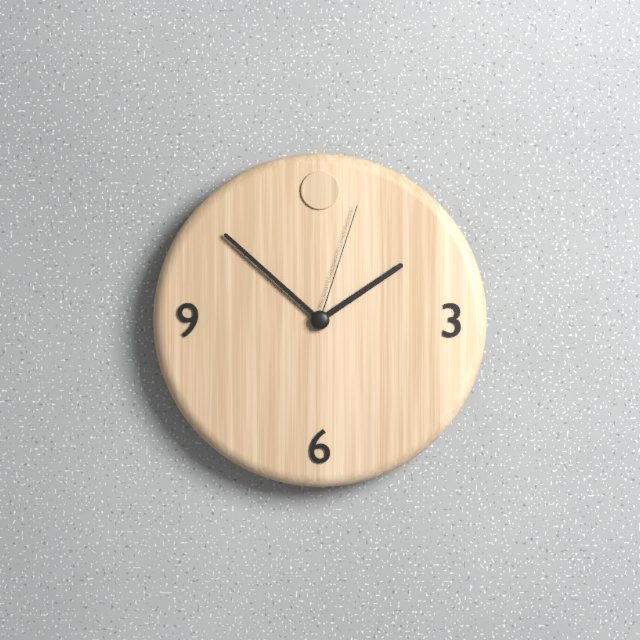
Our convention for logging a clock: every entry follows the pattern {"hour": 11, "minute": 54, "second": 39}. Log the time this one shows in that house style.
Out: {"hour": 1, "minute": 52, "second": 3}
